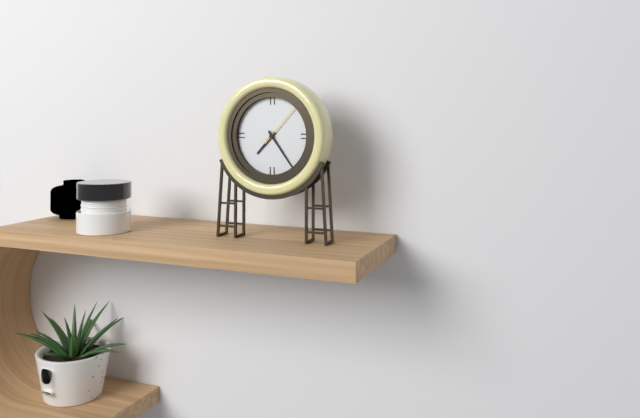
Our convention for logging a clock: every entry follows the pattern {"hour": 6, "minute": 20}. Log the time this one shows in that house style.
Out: {"hour": 7, "minute": 24}
